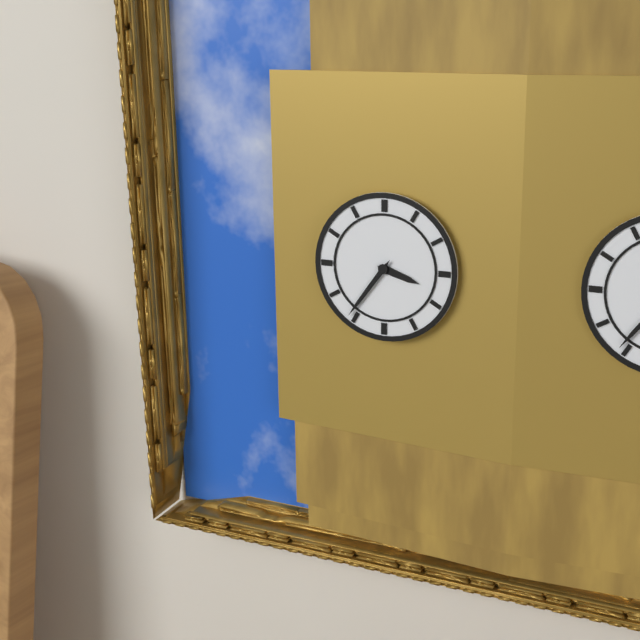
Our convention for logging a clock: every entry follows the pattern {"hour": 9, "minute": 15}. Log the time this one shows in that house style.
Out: {"hour": 3, "minute": 36}
